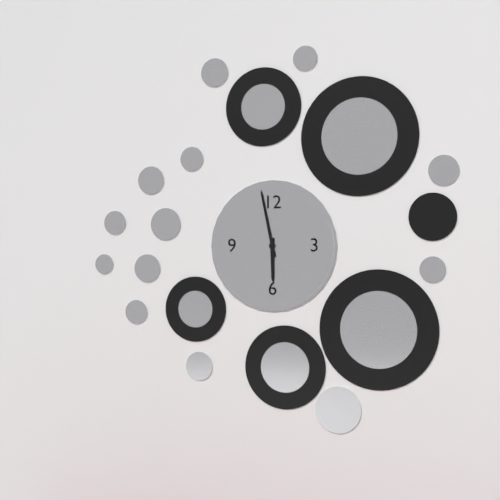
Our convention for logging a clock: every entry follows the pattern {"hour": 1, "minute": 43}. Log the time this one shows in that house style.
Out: {"hour": 5, "minute": 58}
